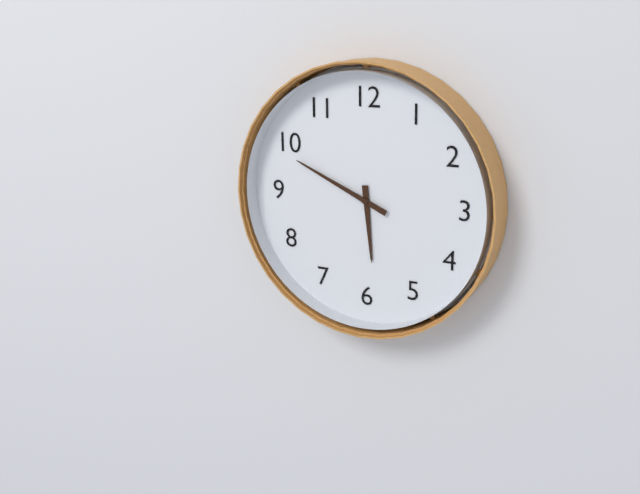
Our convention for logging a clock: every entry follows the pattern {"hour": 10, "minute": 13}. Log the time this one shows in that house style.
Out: {"hour": 5, "minute": 49}
